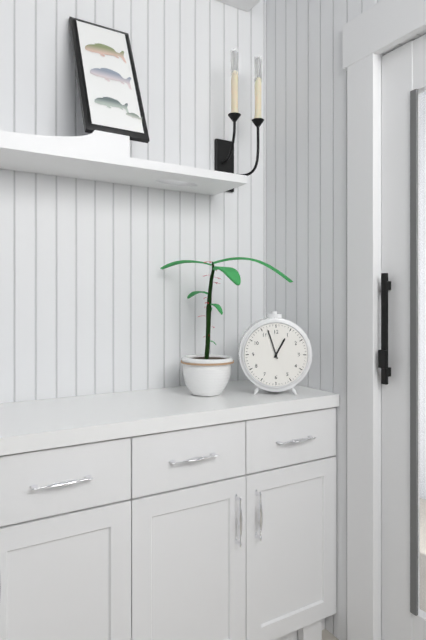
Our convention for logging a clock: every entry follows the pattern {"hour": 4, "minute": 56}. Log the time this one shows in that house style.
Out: {"hour": 12, "minute": 57}
